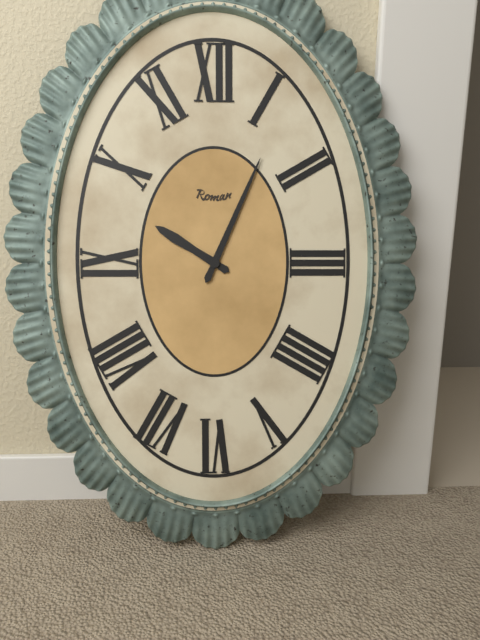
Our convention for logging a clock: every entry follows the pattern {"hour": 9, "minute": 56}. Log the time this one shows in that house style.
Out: {"hour": 10, "minute": 4}
